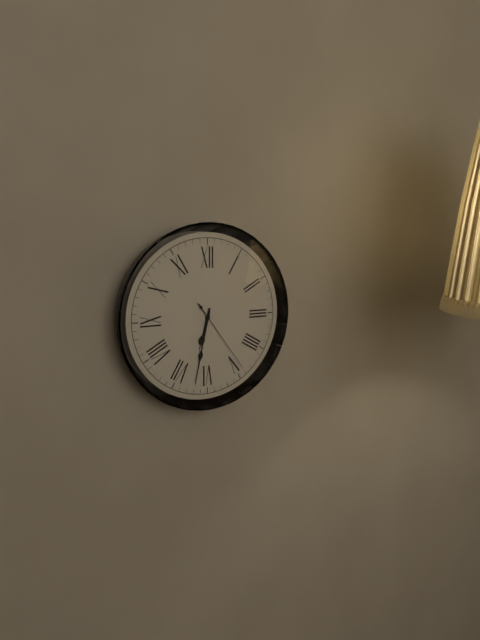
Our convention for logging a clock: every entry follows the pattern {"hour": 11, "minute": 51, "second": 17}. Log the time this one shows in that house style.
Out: {"hour": 6, "minute": 32, "second": 24}
